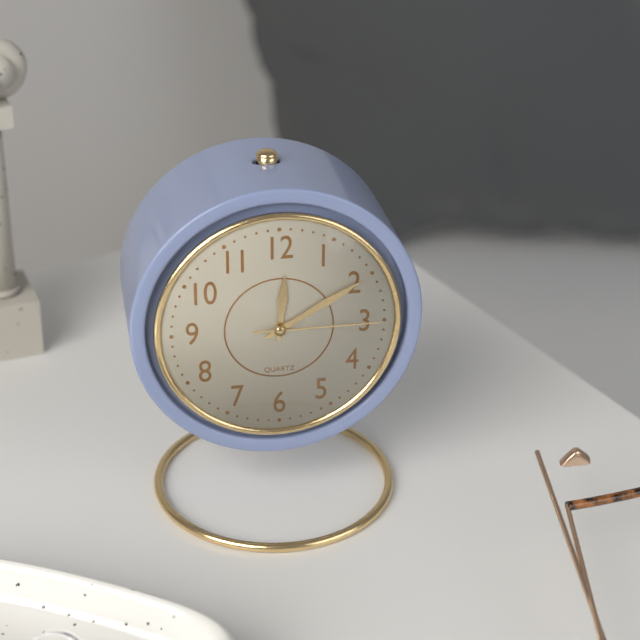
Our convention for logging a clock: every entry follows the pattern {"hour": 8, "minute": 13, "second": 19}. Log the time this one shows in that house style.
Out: {"hour": 12, "minute": 10, "second": 15}
